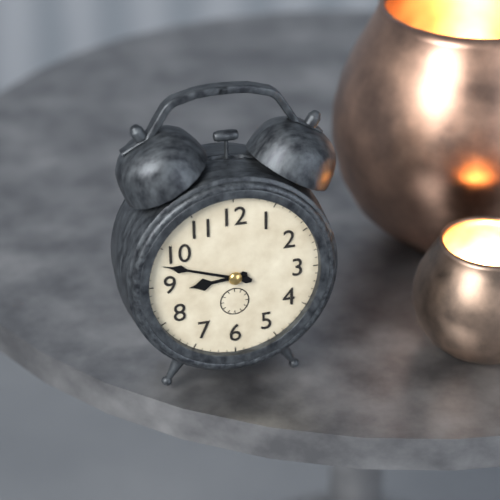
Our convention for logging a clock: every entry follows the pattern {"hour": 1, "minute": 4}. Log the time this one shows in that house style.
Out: {"hour": 8, "minute": 48}
